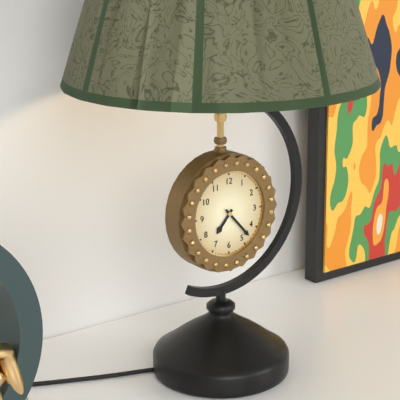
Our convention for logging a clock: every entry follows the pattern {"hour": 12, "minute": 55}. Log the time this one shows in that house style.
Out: {"hour": 7, "minute": 23}
